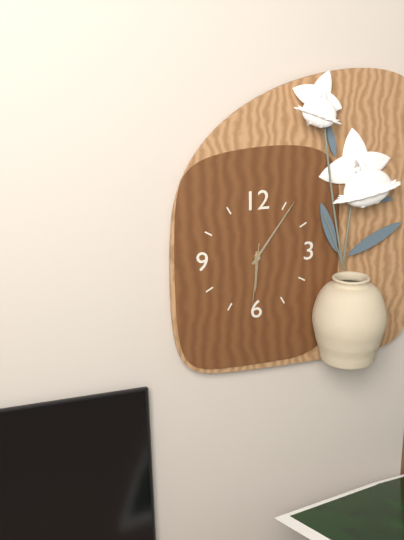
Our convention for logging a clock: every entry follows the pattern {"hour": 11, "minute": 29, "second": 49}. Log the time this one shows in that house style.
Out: {"hour": 6, "minute": 6, "second": 31}
